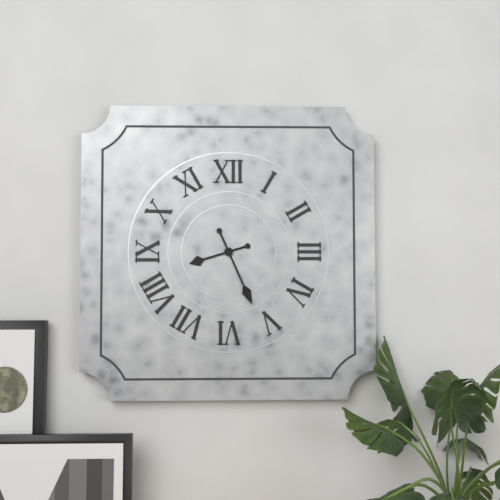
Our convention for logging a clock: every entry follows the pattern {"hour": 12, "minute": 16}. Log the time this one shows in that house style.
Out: {"hour": 8, "minute": 26}
